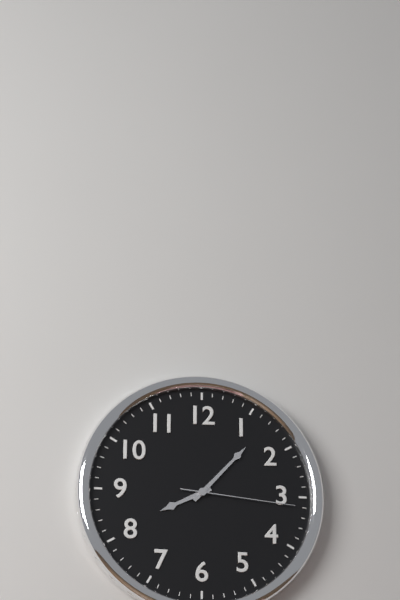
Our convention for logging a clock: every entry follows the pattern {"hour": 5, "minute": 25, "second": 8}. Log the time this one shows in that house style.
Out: {"hour": 8, "minute": 7, "second": 16}
